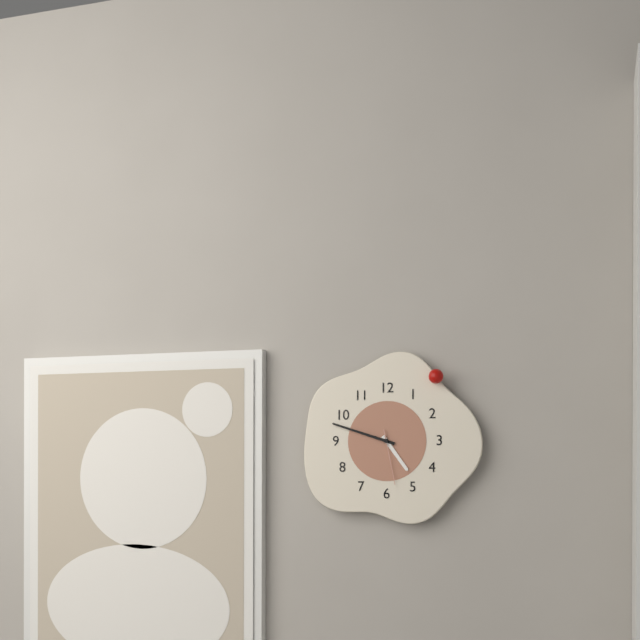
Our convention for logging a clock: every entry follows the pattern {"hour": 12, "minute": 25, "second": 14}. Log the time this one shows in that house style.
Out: {"hour": 4, "minute": 48, "second": 28}
